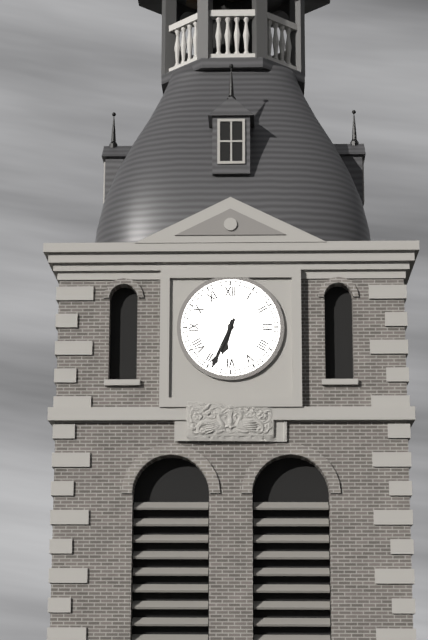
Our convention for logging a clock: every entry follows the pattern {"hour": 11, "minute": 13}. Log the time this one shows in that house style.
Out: {"hour": 6, "minute": 34}
